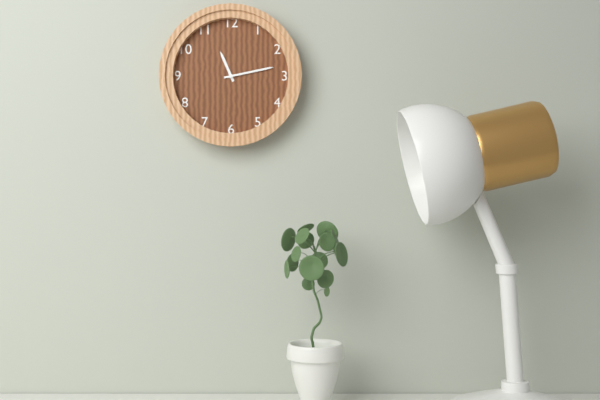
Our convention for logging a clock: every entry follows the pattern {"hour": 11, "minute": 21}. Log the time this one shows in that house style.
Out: {"hour": 11, "minute": 13}
